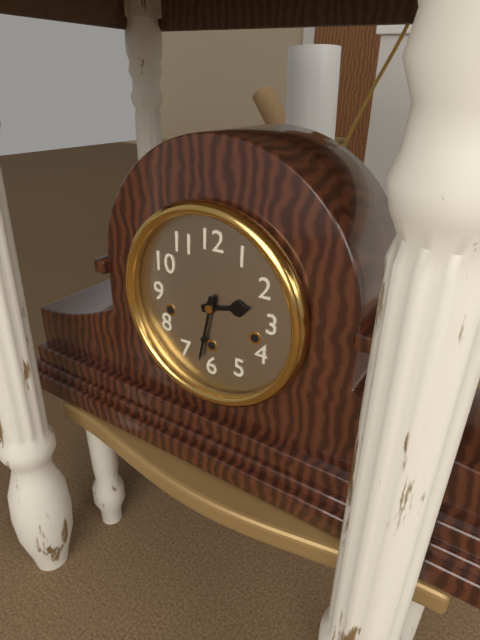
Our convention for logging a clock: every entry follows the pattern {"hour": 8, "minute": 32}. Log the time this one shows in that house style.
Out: {"hour": 2, "minute": 32}
